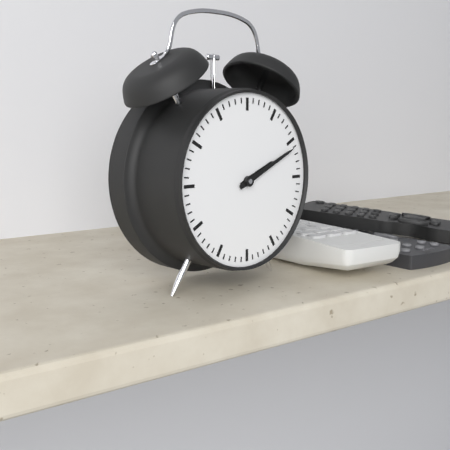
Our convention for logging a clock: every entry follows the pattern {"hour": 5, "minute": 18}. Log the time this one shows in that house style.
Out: {"hour": 2, "minute": 11}
